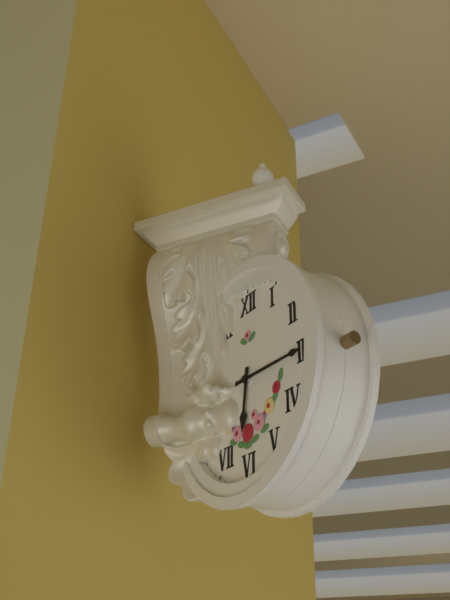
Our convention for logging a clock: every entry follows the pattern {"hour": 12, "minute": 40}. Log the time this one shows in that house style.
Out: {"hour": 6, "minute": 15}
